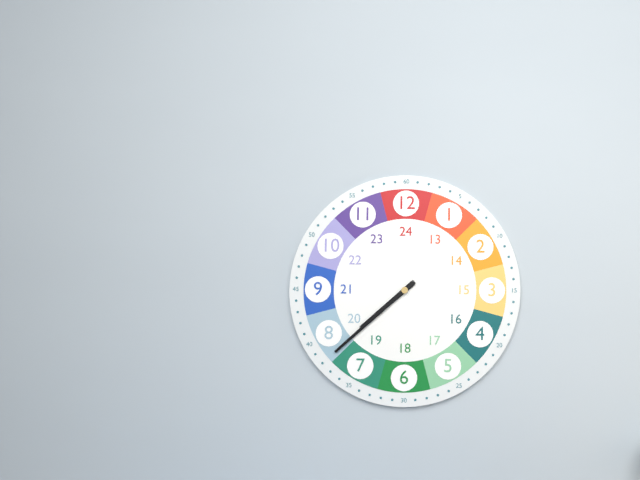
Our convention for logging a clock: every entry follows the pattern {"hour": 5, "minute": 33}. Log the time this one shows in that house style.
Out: {"hour": 7, "minute": 38}
